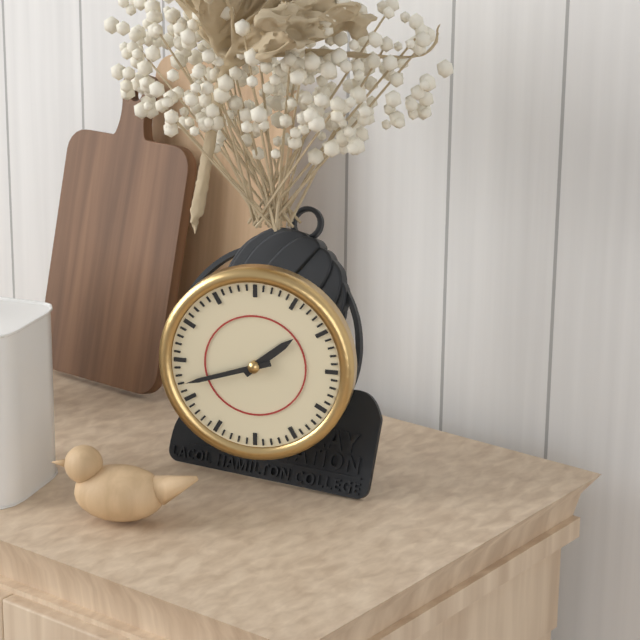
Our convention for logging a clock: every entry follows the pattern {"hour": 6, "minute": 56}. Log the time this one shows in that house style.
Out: {"hour": 1, "minute": 42}
